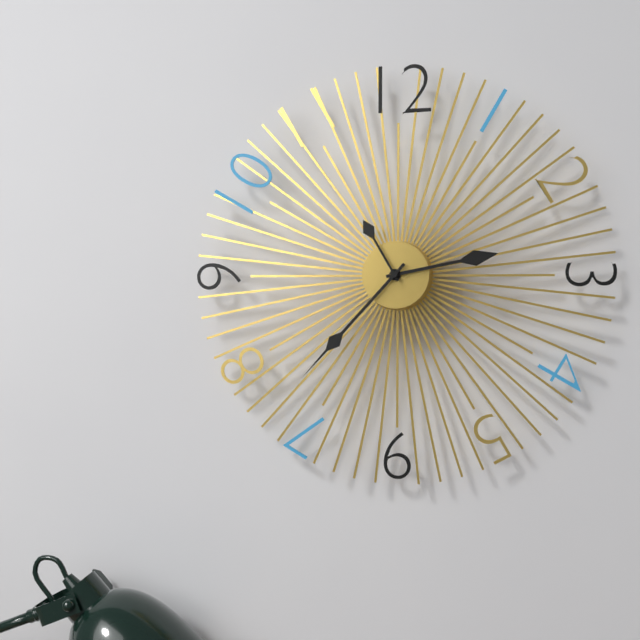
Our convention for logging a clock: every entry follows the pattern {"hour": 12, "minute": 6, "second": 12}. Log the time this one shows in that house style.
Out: {"hour": 2, "minute": 37, "second": 55}
